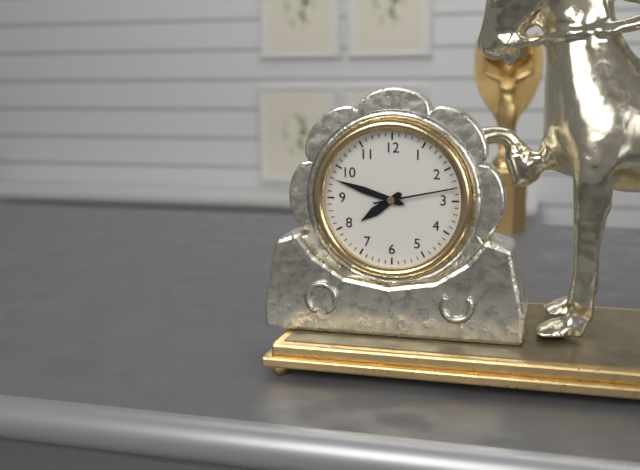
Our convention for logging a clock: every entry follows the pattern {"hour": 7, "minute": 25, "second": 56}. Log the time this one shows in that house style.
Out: {"hour": 7, "minute": 48, "second": 13}
